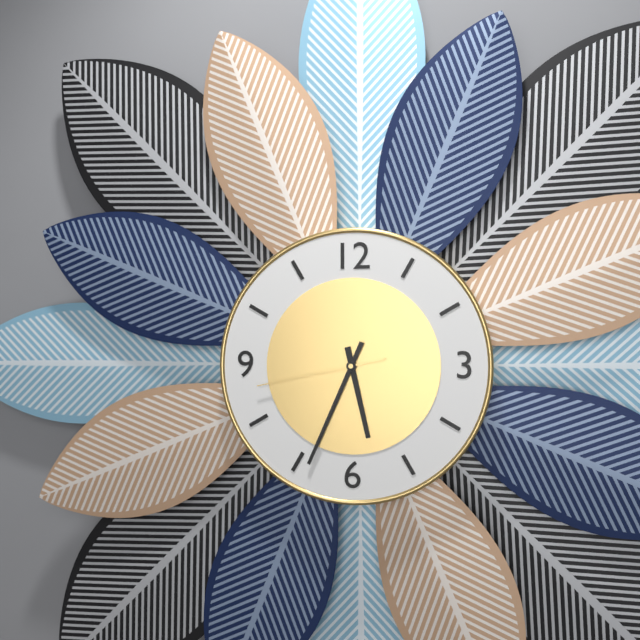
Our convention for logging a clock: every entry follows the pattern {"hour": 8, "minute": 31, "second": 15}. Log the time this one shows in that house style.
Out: {"hour": 5, "minute": 34, "second": 43}
